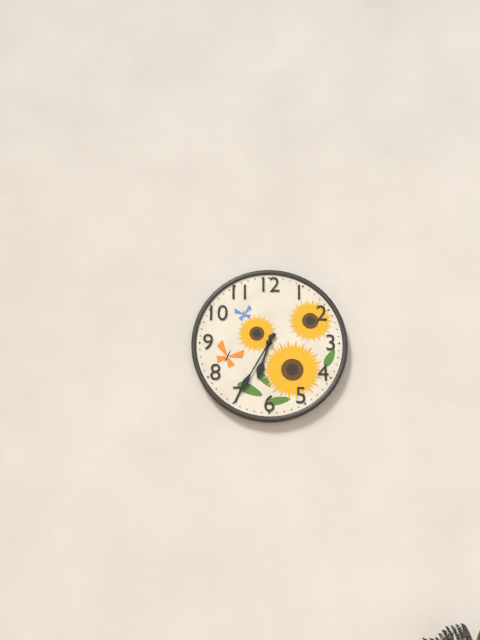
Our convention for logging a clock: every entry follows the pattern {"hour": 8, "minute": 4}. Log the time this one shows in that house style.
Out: {"hour": 6, "minute": 35}
